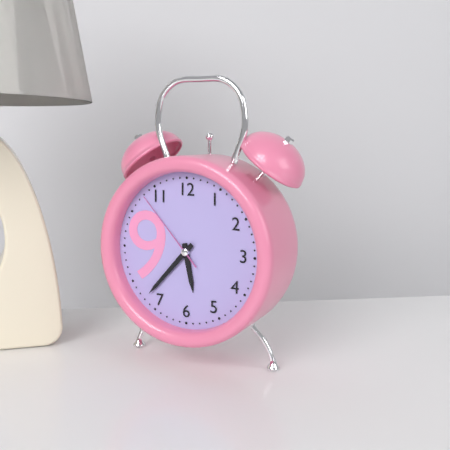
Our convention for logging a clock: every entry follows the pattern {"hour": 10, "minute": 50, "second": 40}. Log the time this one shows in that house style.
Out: {"hour": 5, "minute": 37, "second": 53}
